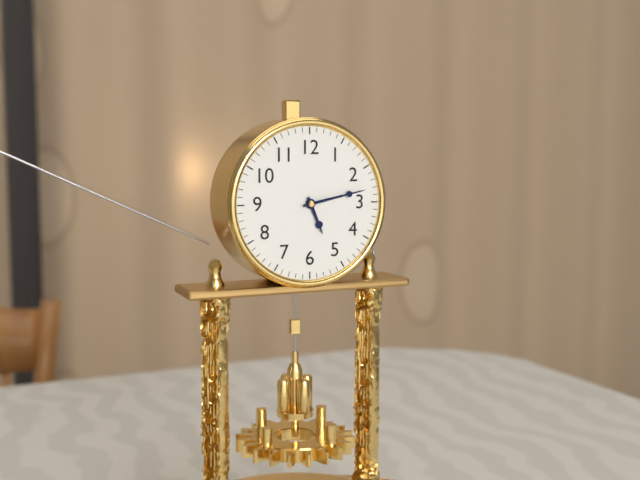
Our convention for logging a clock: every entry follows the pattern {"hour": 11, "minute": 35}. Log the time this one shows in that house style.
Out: {"hour": 5, "minute": 13}
